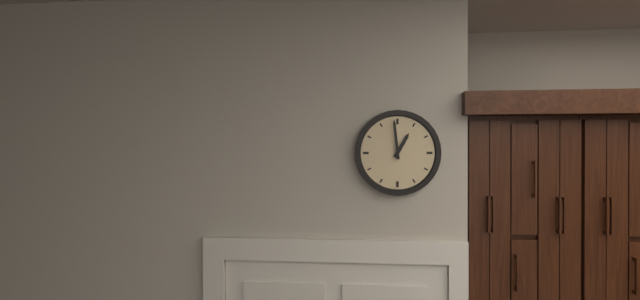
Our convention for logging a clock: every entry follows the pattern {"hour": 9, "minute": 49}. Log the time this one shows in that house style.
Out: {"hour": 12, "minute": 59}
